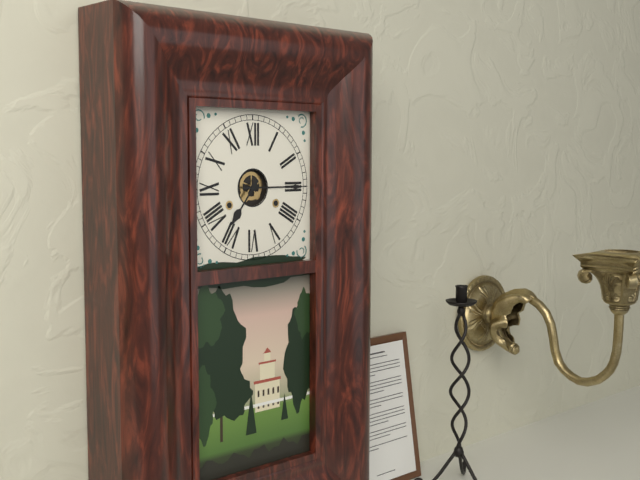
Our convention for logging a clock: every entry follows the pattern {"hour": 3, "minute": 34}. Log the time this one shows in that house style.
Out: {"hour": 7, "minute": 15}
